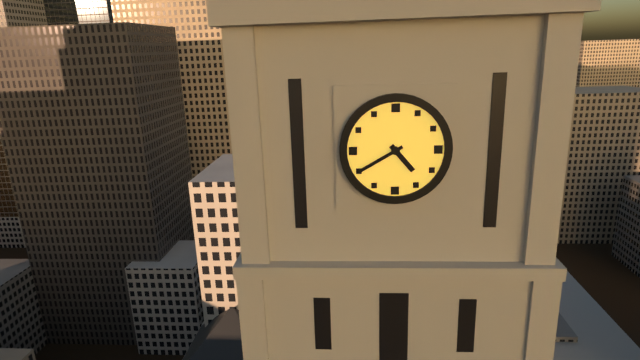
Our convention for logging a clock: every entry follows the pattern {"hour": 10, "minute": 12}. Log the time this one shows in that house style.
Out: {"hour": 4, "minute": 40}
